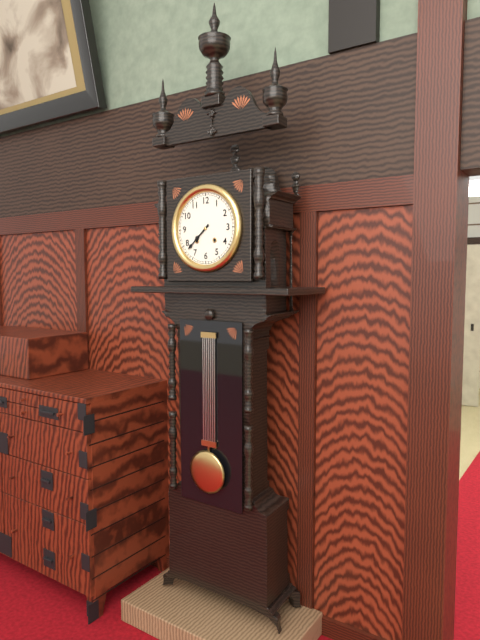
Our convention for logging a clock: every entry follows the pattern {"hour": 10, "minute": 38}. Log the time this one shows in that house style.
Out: {"hour": 7, "minute": 38}
